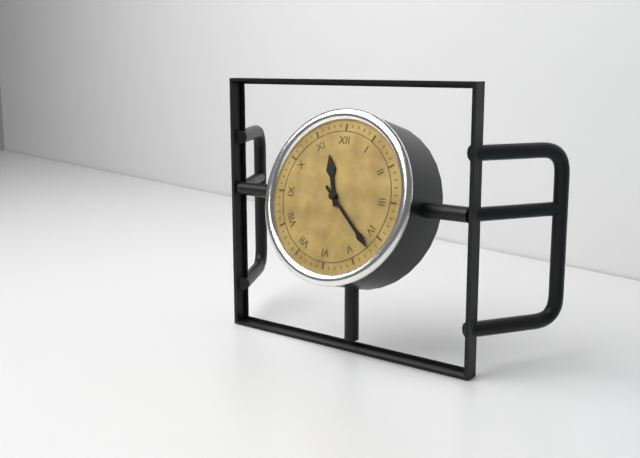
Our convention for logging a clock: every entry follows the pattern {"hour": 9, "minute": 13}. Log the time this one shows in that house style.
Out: {"hour": 11, "minute": 22}
